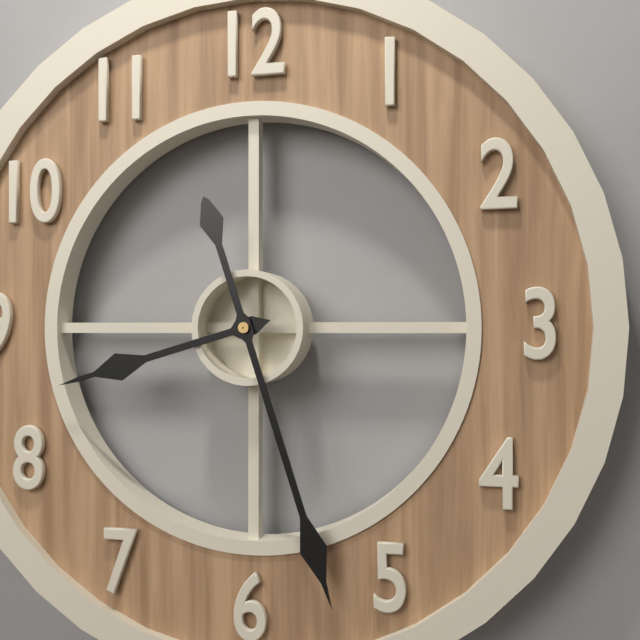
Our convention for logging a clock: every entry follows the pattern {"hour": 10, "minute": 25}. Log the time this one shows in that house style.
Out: {"hour": 8, "minute": 27}
